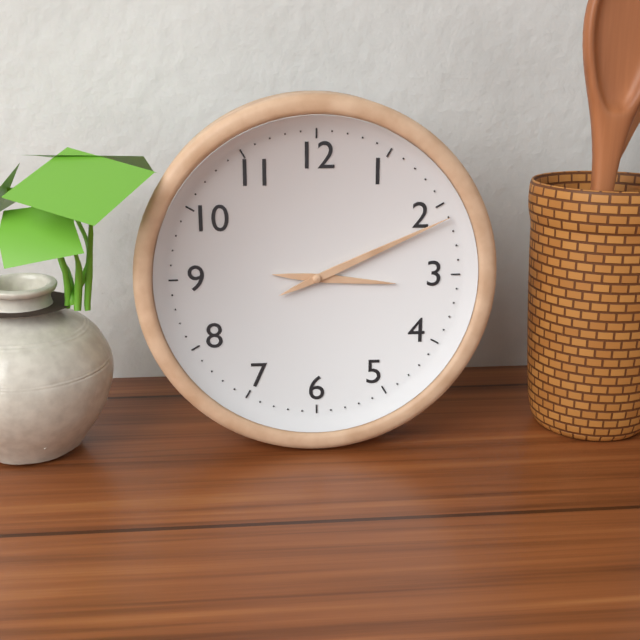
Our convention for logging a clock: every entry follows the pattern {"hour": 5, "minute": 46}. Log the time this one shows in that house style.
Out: {"hour": 3, "minute": 11}
